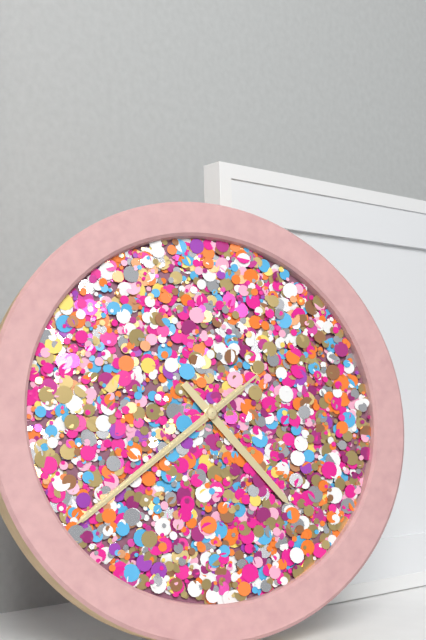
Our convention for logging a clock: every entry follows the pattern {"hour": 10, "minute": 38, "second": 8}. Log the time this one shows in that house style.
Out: {"hour": 4, "minute": 39, "second": 39}
